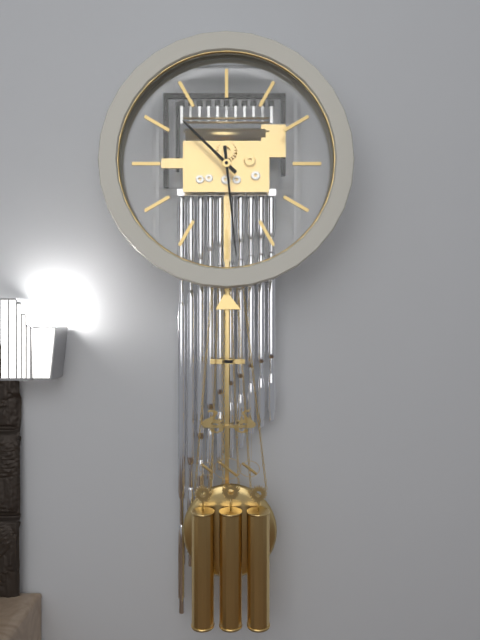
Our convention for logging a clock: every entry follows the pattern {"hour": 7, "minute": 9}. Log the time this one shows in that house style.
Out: {"hour": 10, "minute": 29}
